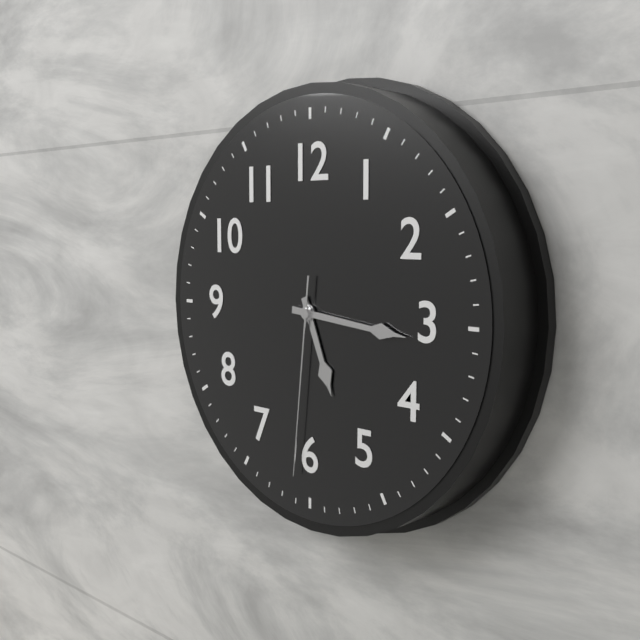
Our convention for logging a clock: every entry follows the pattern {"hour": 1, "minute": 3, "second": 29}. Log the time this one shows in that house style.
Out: {"hour": 5, "minute": 16, "second": 31}
